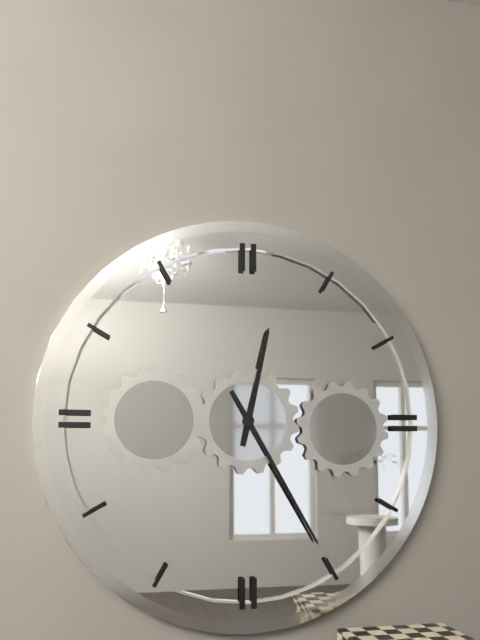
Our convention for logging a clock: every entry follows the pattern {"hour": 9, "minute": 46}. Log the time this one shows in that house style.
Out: {"hour": 12, "minute": 25}
